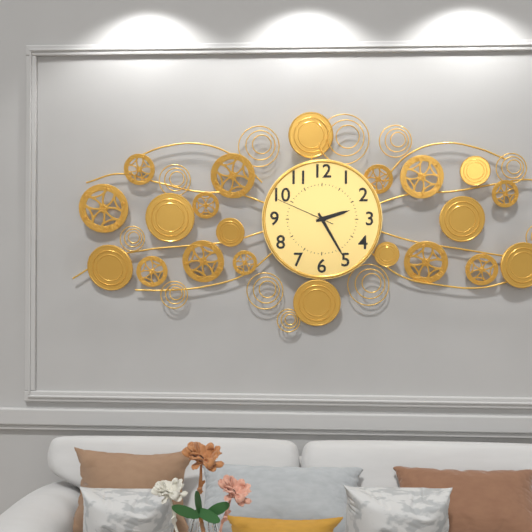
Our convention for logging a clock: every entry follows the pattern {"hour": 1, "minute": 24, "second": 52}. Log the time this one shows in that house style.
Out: {"hour": 2, "minute": 25, "second": 49}
